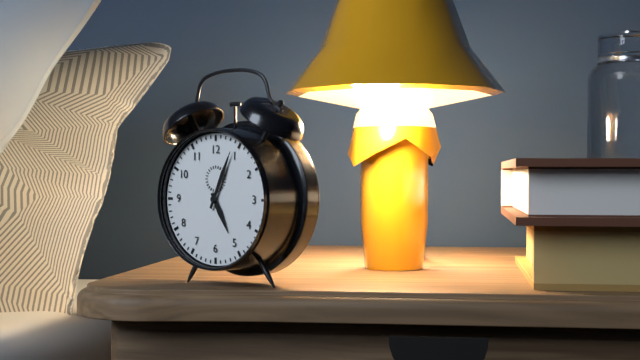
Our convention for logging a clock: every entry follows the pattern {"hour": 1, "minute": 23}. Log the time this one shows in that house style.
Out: {"hour": 5, "minute": 4}
